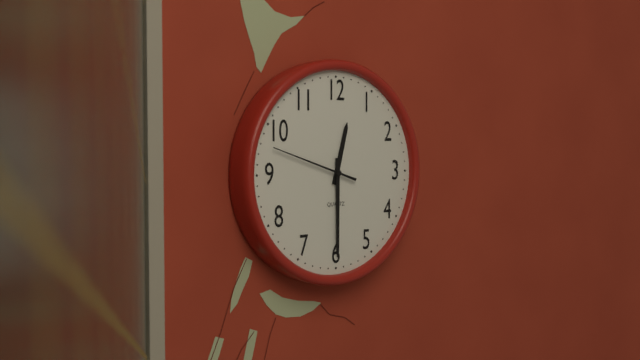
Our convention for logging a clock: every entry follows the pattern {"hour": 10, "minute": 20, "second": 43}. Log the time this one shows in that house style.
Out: {"hour": 12, "minute": 30, "second": 48}
